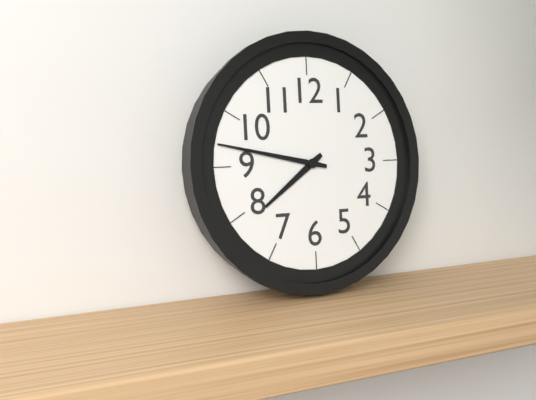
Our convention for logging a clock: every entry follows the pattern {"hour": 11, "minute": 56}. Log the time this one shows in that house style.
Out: {"hour": 7, "minute": 47}
